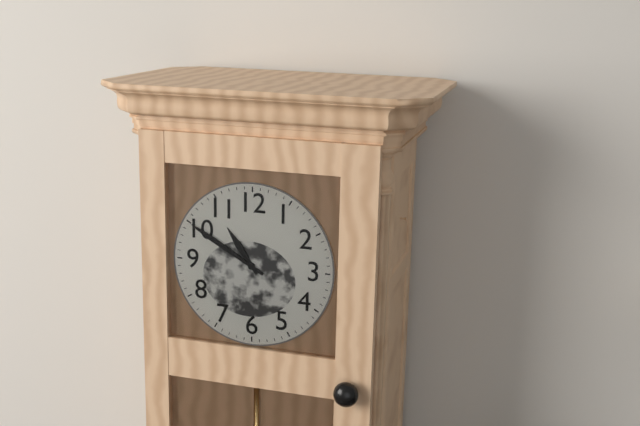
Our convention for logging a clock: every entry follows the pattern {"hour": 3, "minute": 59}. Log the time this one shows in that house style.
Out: {"hour": 10, "minute": 50}
